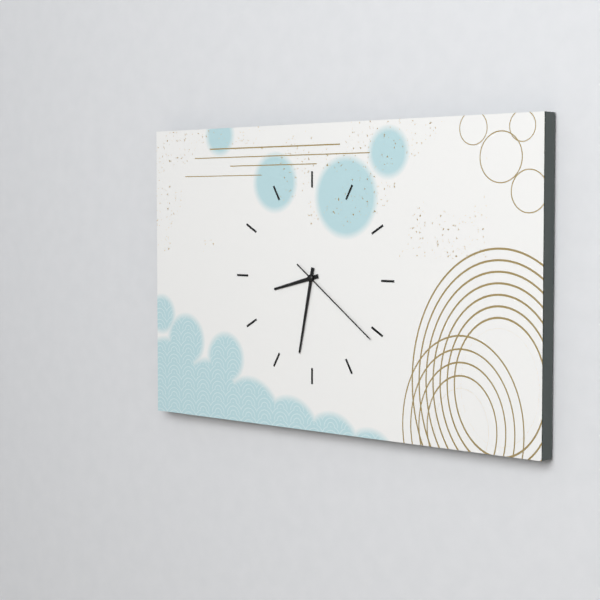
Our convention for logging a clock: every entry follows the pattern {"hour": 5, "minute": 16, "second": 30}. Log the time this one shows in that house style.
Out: {"hour": 8, "minute": 32, "second": 21}
